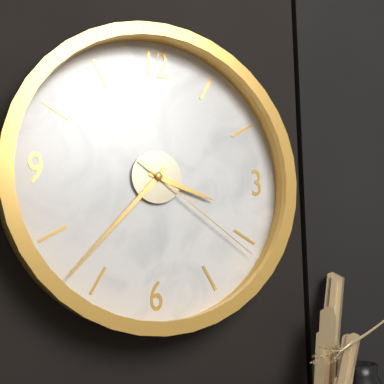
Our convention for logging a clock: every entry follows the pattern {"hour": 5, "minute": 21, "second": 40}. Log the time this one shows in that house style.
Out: {"hour": 3, "minute": 37, "second": 21}
